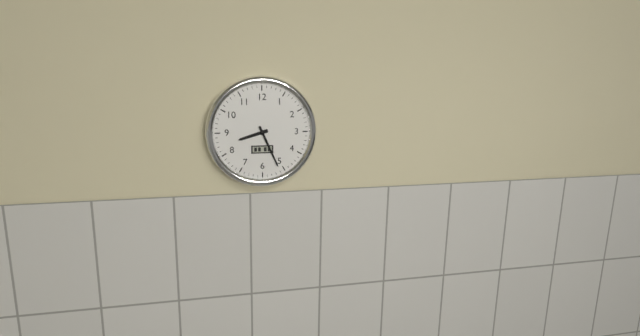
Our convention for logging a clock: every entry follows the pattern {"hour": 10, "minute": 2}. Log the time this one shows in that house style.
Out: {"hour": 8, "minute": 26}
